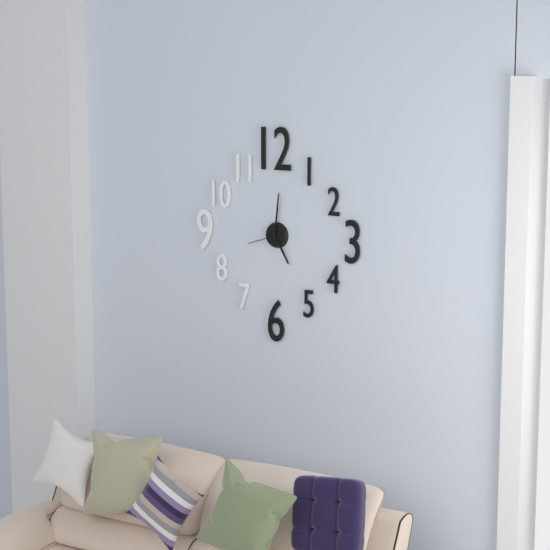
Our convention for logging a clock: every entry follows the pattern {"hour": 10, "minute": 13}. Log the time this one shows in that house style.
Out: {"hour": 5, "minute": 1}
